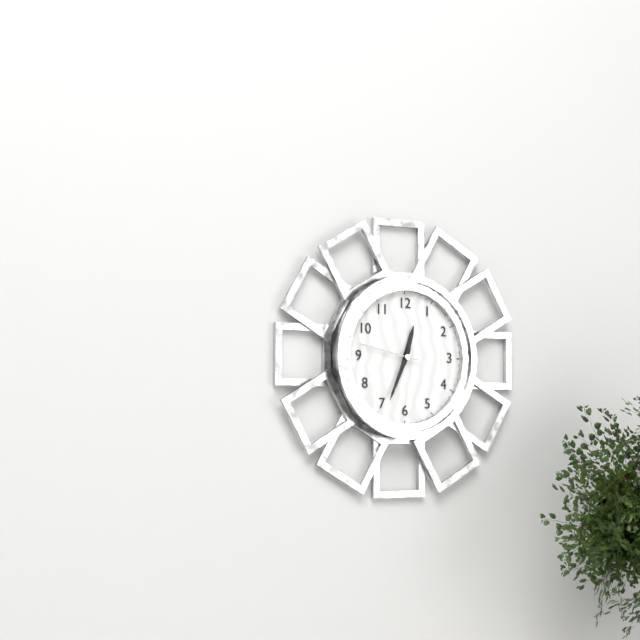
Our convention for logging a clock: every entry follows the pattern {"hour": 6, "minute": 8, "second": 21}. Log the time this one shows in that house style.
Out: {"hour": 12, "minute": 34, "second": 47}
